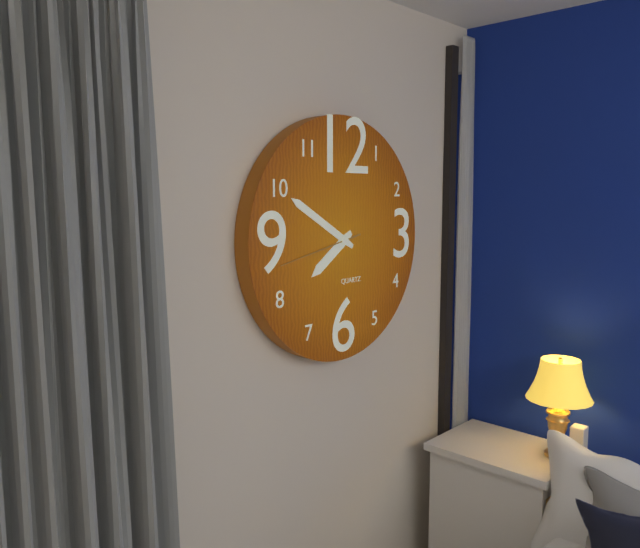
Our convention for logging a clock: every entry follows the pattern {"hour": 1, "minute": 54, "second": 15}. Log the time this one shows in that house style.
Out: {"hour": 7, "minute": 50, "second": 43}
